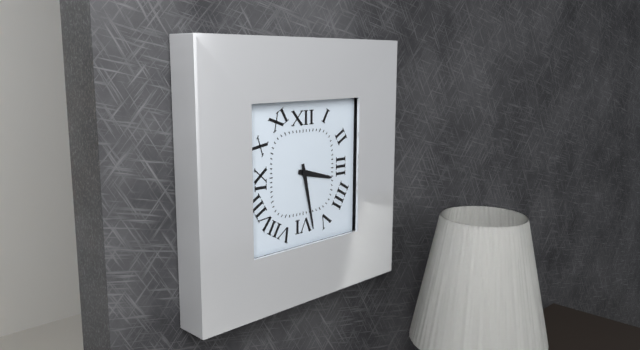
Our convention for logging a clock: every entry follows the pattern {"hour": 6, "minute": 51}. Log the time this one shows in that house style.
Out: {"hour": 3, "minute": 28}
